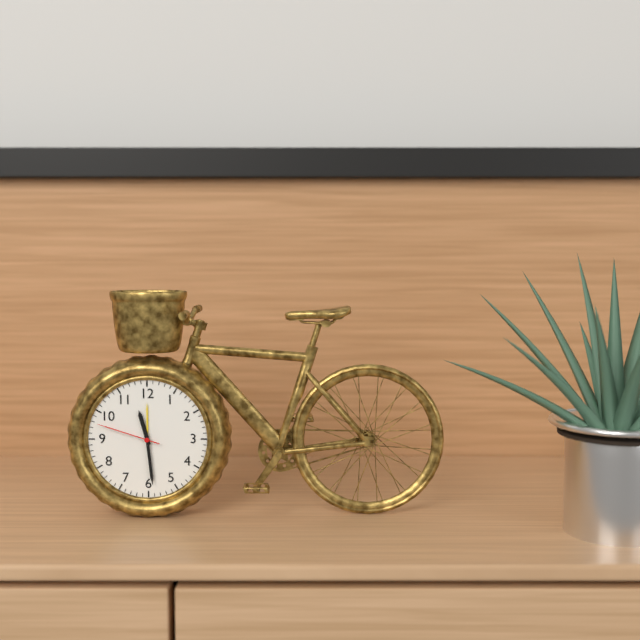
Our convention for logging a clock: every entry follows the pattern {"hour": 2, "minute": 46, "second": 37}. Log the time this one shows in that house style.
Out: {"hour": 11, "minute": 29, "second": 48}
